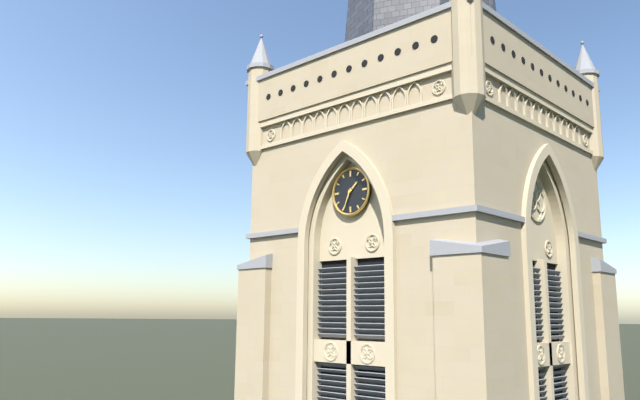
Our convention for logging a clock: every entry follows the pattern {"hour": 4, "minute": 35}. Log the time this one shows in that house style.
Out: {"hour": 1, "minute": 34}
